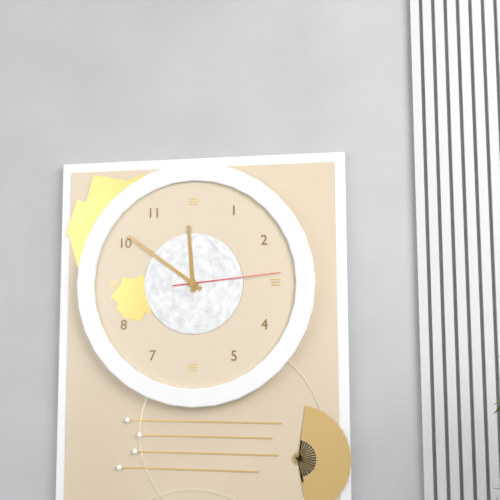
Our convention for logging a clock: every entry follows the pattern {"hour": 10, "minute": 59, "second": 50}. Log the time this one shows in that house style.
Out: {"hour": 11, "minute": 51, "second": 14}
